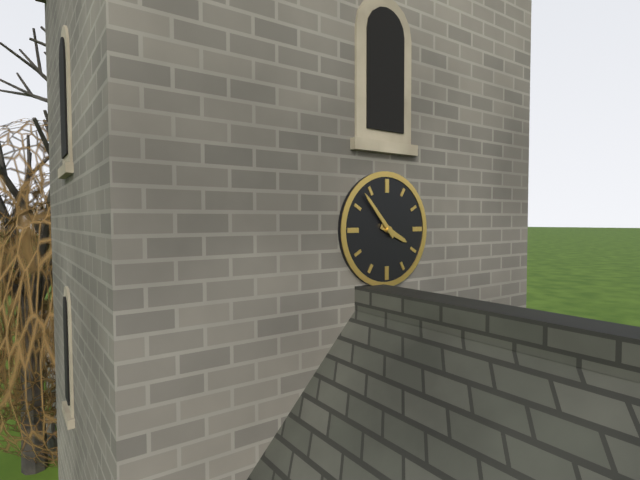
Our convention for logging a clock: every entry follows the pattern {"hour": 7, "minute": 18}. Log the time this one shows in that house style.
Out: {"hour": 3, "minute": 53}
